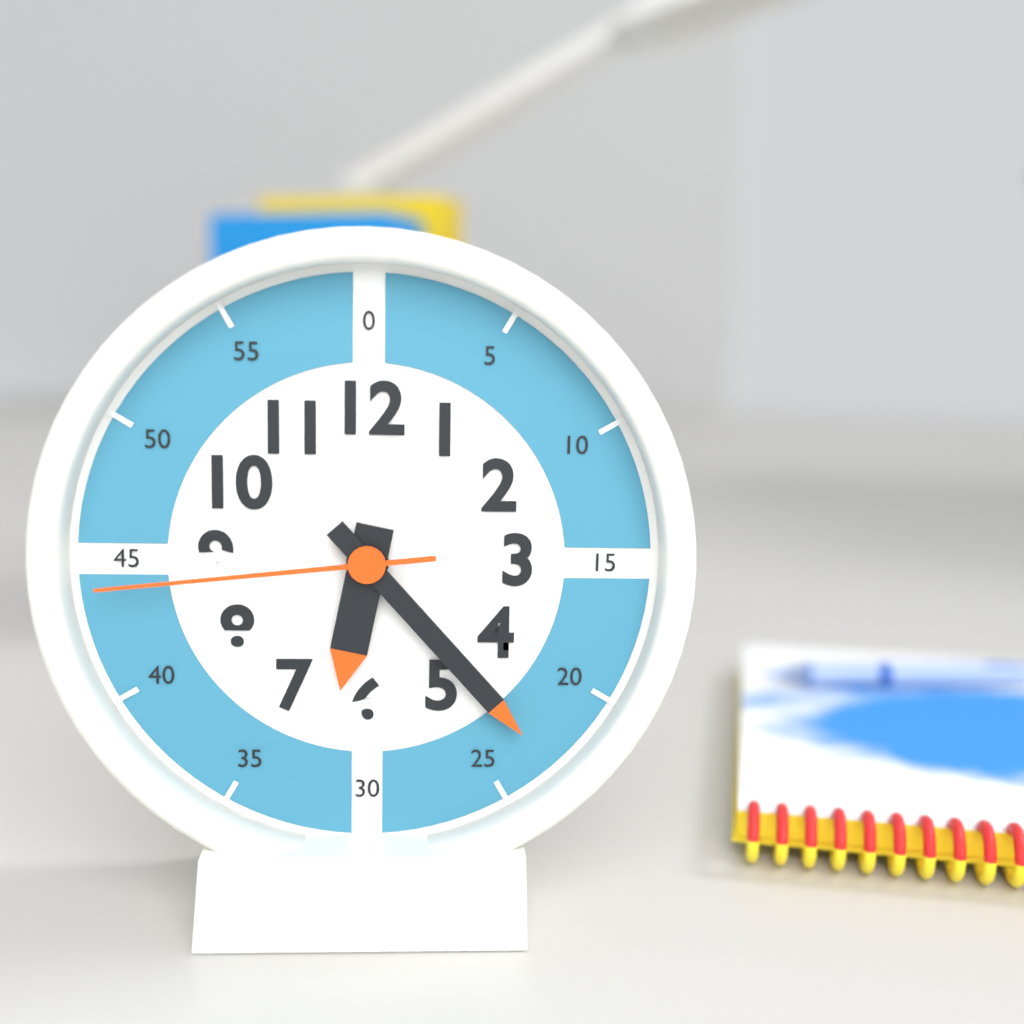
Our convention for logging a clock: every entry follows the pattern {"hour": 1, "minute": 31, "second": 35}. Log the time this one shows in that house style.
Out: {"hour": 6, "minute": 23, "second": 44}
